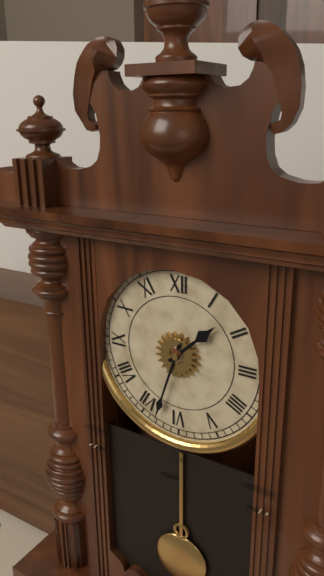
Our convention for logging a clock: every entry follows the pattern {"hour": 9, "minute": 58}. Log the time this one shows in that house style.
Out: {"hour": 1, "minute": 33}
